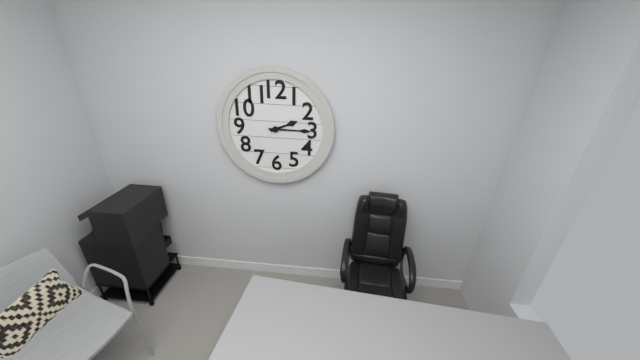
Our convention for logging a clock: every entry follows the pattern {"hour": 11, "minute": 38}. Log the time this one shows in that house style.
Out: {"hour": 2, "minute": 15}
